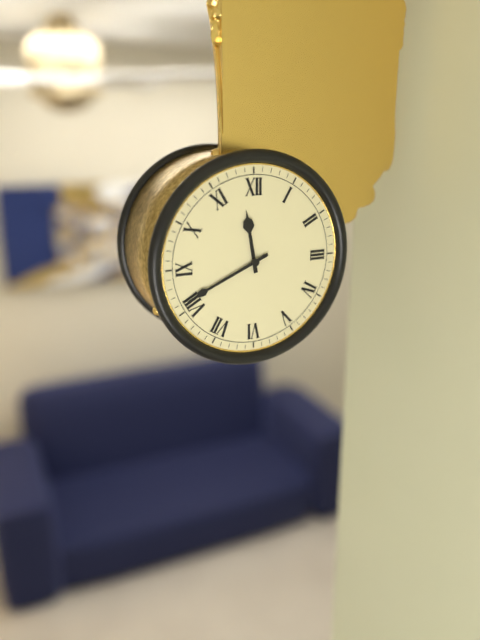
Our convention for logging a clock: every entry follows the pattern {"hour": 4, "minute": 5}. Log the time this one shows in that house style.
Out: {"hour": 11, "minute": 41}
